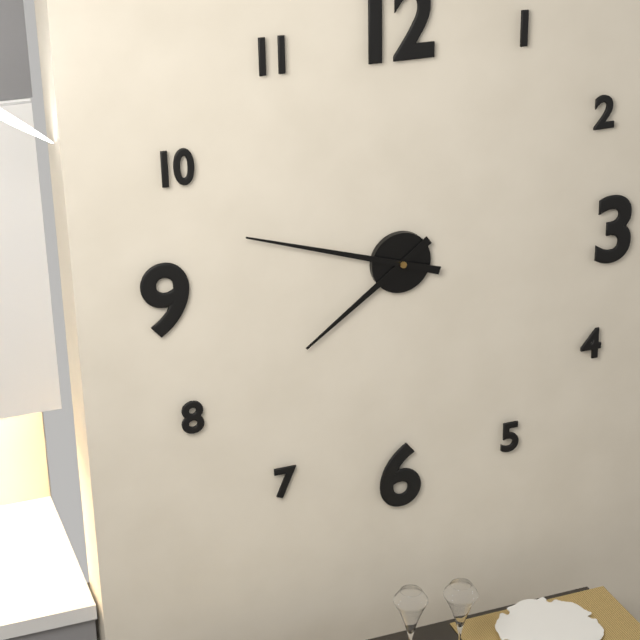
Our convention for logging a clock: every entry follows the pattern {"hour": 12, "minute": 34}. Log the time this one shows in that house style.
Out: {"hour": 7, "minute": 48}
